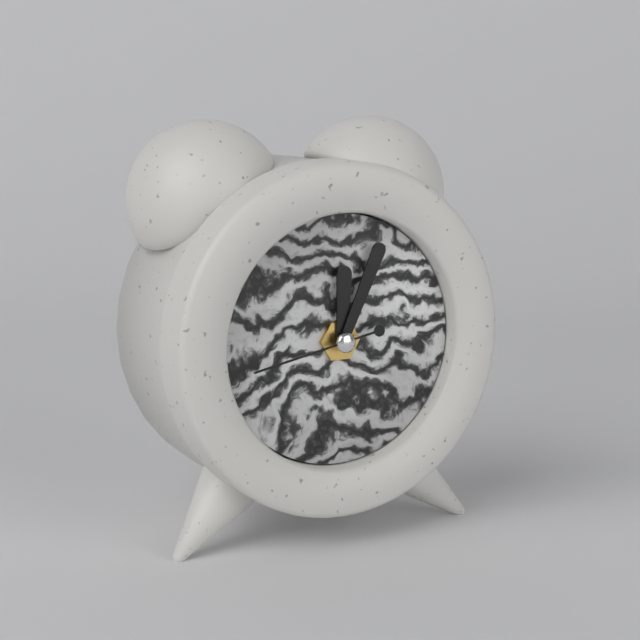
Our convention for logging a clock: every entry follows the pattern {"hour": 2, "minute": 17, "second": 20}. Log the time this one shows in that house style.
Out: {"hour": 12, "minute": 4, "second": 43}
